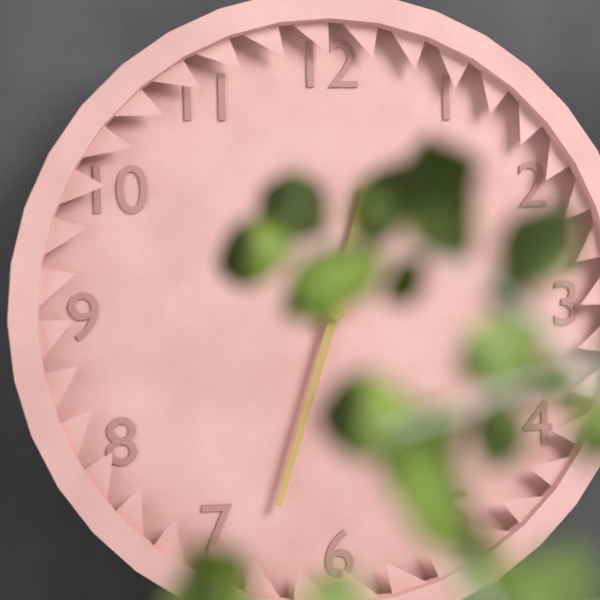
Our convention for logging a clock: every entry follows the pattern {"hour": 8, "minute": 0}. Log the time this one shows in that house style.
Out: {"hour": 12, "minute": 33}
